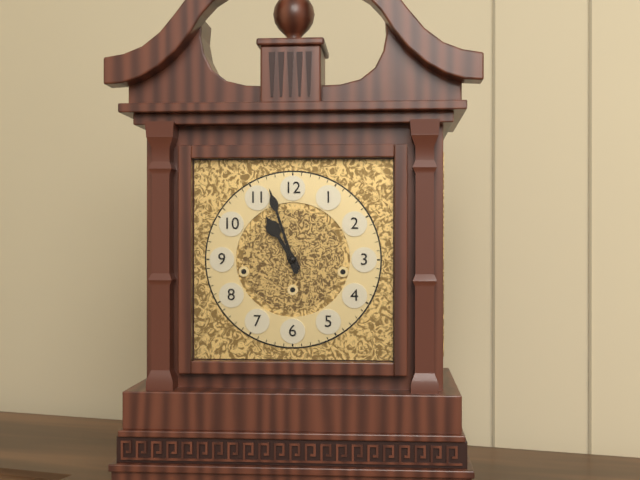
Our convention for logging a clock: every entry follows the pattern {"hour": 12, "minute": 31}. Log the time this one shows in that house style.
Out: {"hour": 10, "minute": 57}
